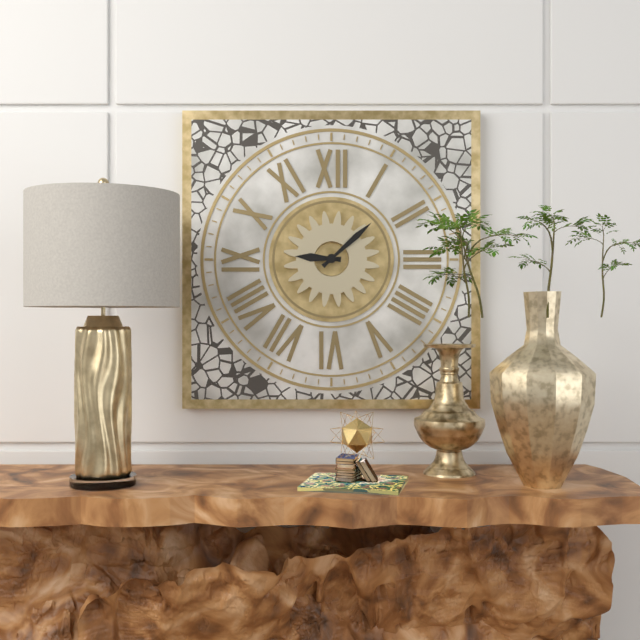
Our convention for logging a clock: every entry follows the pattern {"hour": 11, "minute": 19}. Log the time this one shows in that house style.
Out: {"hour": 9, "minute": 8}
